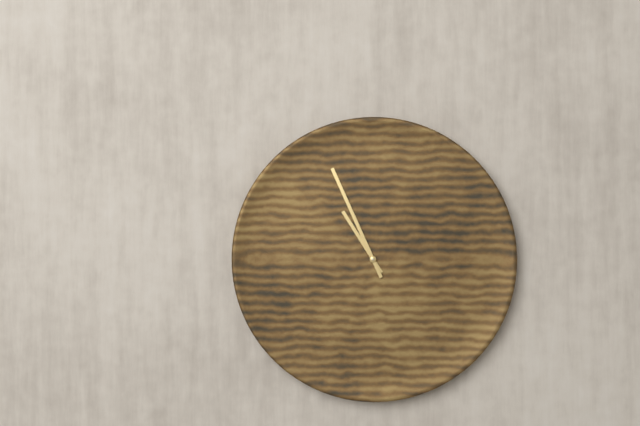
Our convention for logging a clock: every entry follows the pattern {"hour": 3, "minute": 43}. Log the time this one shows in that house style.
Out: {"hour": 10, "minute": 56}
